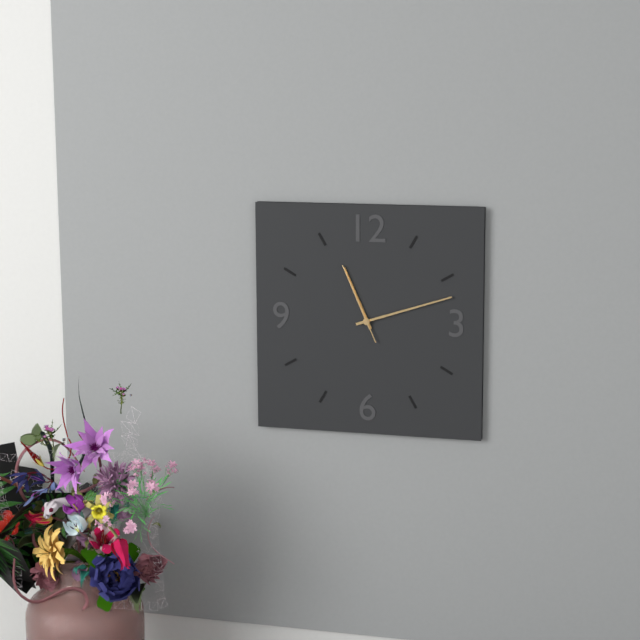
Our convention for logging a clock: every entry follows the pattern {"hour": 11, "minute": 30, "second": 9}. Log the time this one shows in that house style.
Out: {"hour": 11, "minute": 12, "second": 56}
